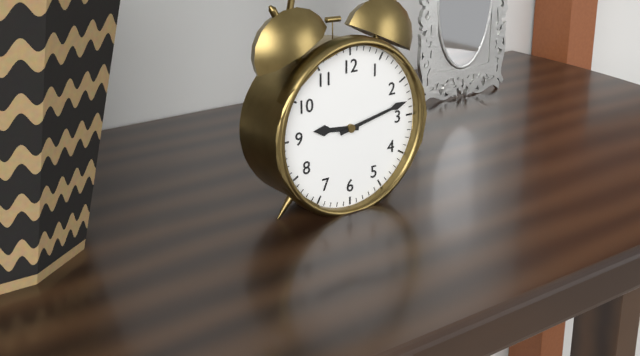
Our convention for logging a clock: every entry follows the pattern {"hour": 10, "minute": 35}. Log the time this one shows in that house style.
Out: {"hour": 9, "minute": 13}
